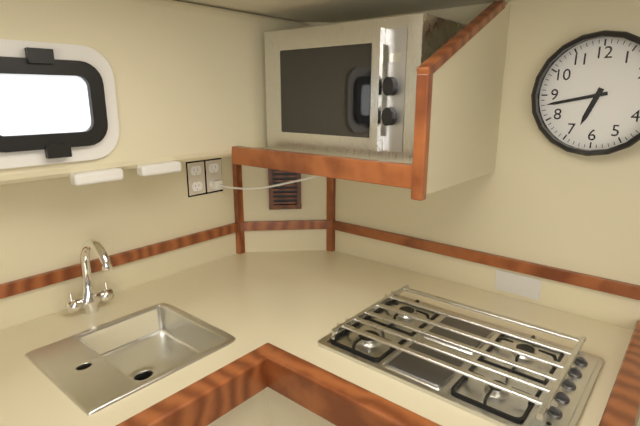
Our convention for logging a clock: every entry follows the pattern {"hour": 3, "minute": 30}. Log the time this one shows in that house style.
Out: {"hour": 6, "minute": 43}
